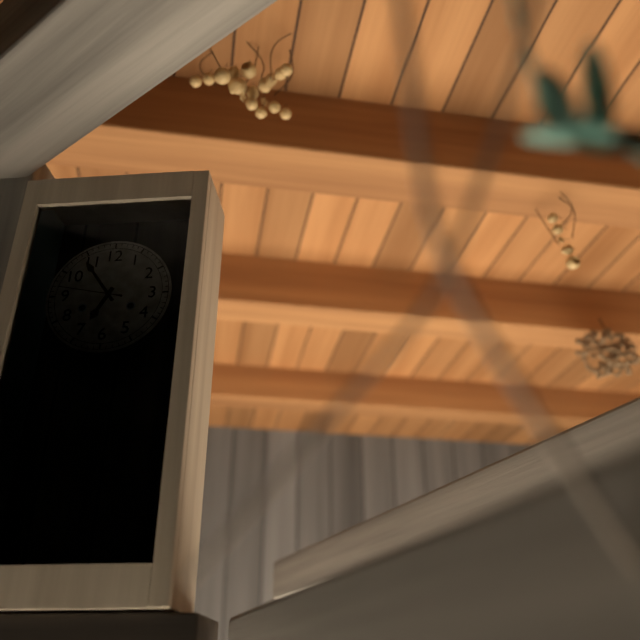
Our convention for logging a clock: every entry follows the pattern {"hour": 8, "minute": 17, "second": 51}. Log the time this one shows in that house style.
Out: {"hour": 6, "minute": 54, "second": 47}
